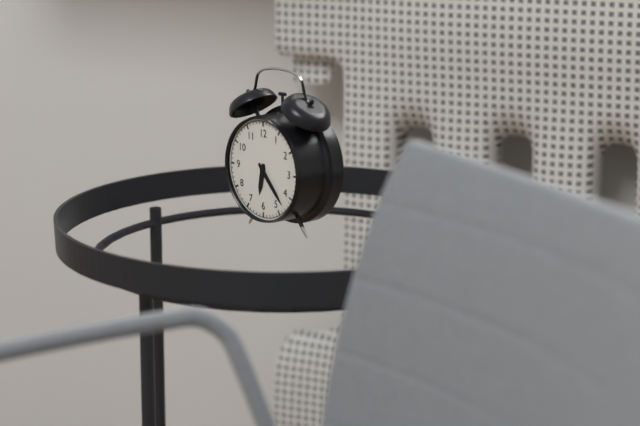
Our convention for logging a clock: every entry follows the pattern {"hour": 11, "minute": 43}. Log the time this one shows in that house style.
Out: {"hour": 6, "minute": 23}
